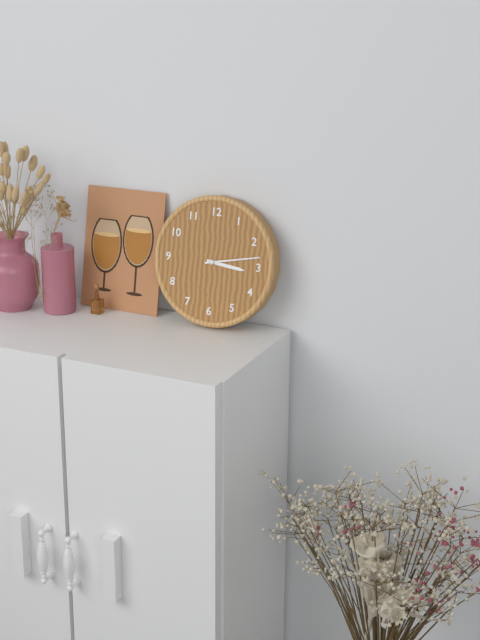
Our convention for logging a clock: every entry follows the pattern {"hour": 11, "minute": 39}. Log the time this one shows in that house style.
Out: {"hour": 3, "minute": 13}
